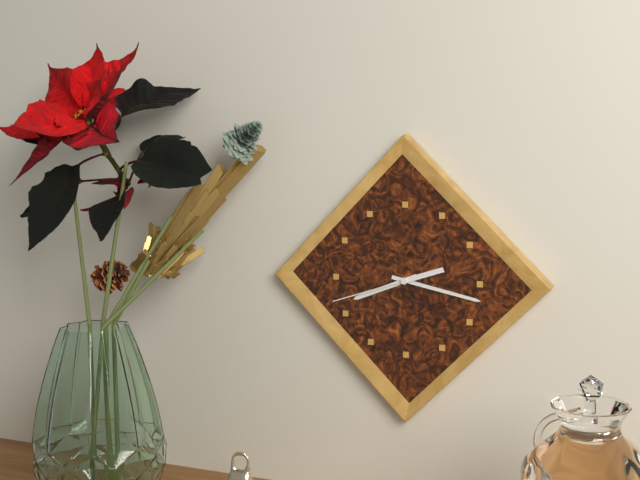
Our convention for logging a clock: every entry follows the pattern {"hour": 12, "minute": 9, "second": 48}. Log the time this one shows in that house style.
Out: {"hour": 8, "minute": 17, "second": 42}
